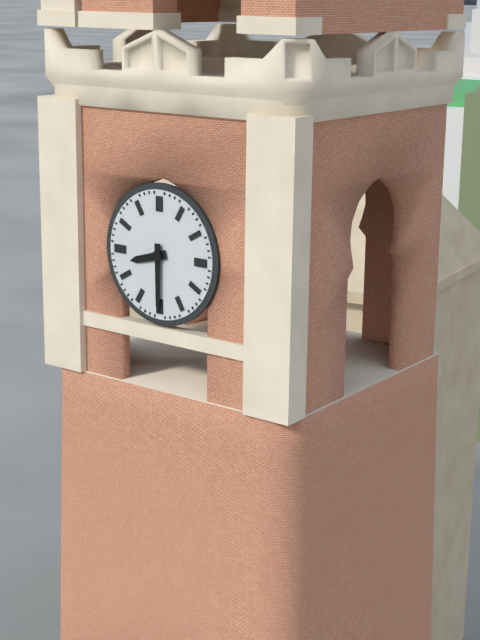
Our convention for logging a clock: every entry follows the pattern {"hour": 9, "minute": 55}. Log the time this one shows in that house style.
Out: {"hour": 8, "minute": 30}
